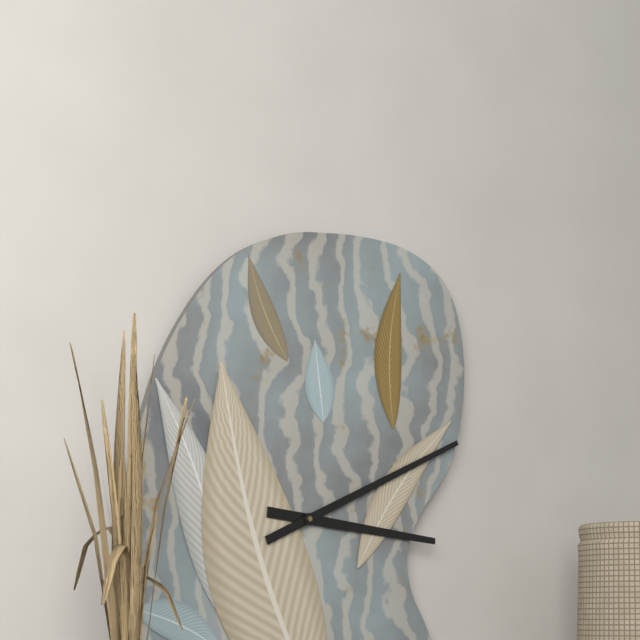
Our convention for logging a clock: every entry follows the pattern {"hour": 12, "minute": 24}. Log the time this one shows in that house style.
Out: {"hour": 3, "minute": 11}
